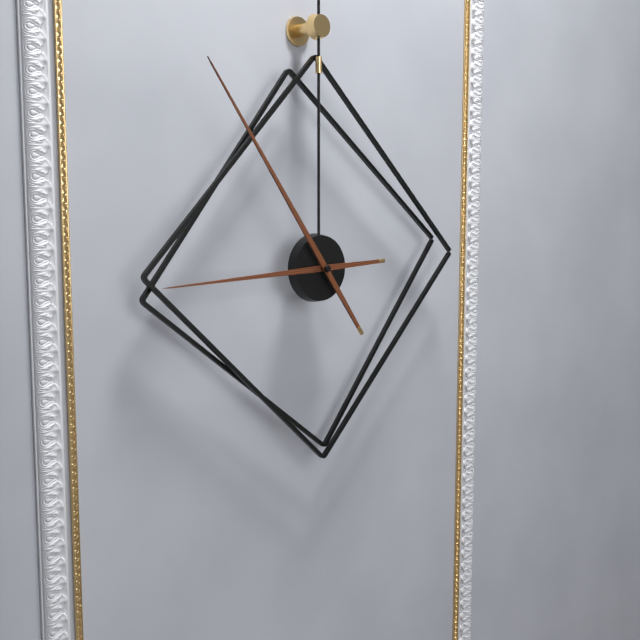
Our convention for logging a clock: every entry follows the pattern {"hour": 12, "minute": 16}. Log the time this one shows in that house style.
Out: {"hour": 8, "minute": 54}
